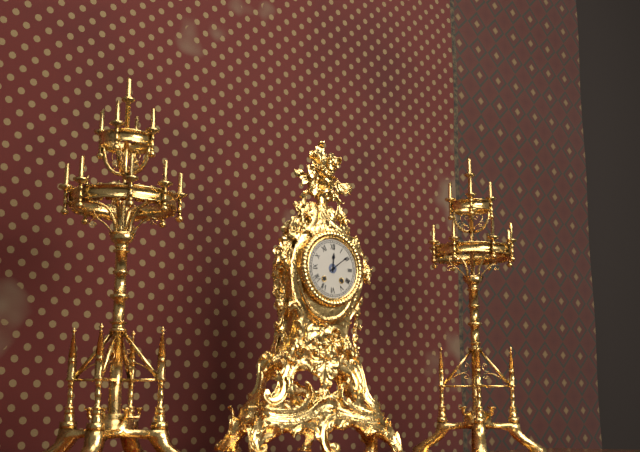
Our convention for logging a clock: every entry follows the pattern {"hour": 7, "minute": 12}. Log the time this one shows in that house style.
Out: {"hour": 12, "minute": 9}
